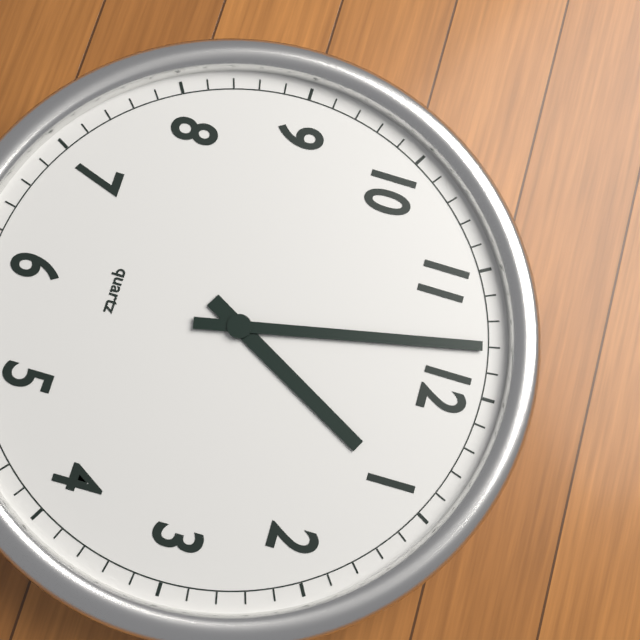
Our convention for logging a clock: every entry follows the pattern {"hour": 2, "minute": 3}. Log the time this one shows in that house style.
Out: {"hour": 12, "minute": 58}
